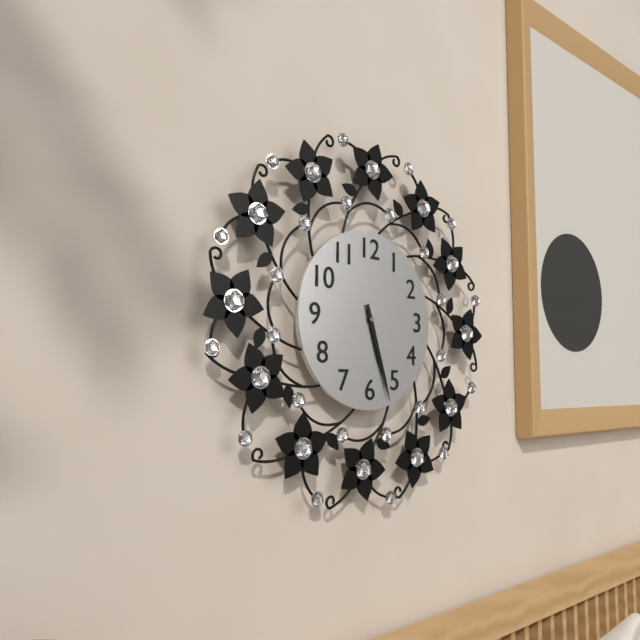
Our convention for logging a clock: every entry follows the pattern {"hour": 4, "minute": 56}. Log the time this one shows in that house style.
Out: {"hour": 5, "minute": 27}
